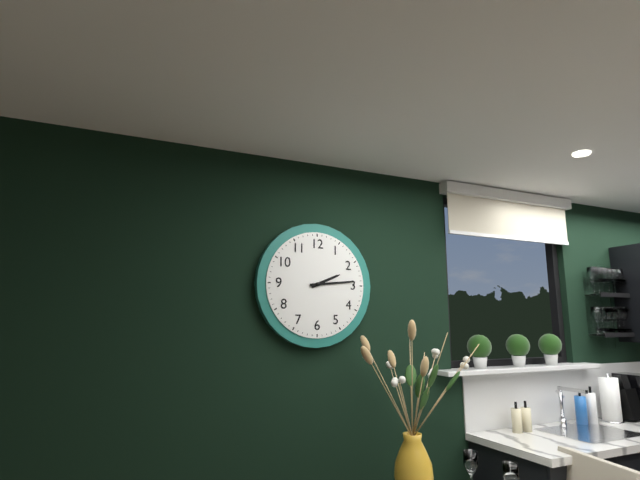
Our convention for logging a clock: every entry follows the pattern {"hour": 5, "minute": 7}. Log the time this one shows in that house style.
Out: {"hour": 2, "minute": 14}
